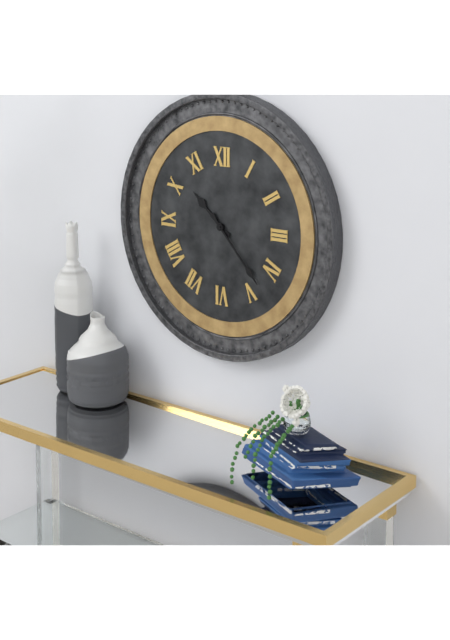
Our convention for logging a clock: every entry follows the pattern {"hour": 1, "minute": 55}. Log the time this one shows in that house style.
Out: {"hour": 10, "minute": 23}
